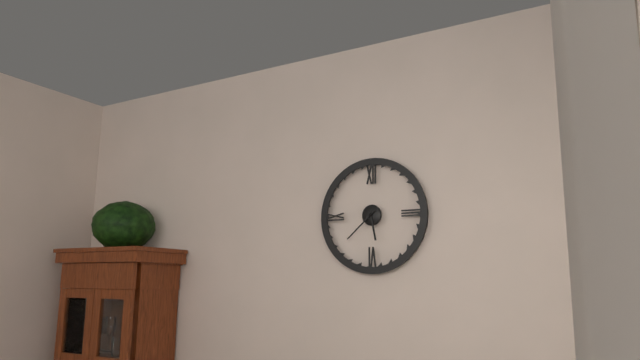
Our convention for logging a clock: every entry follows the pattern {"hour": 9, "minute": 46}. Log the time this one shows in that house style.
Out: {"hour": 5, "minute": 38}
